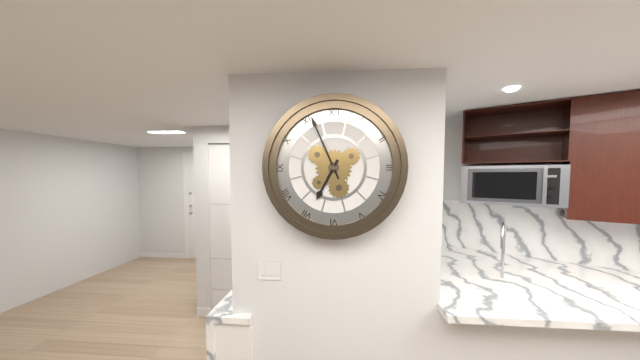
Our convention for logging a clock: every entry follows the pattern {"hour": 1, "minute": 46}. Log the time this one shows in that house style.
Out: {"hour": 6, "minute": 56}
